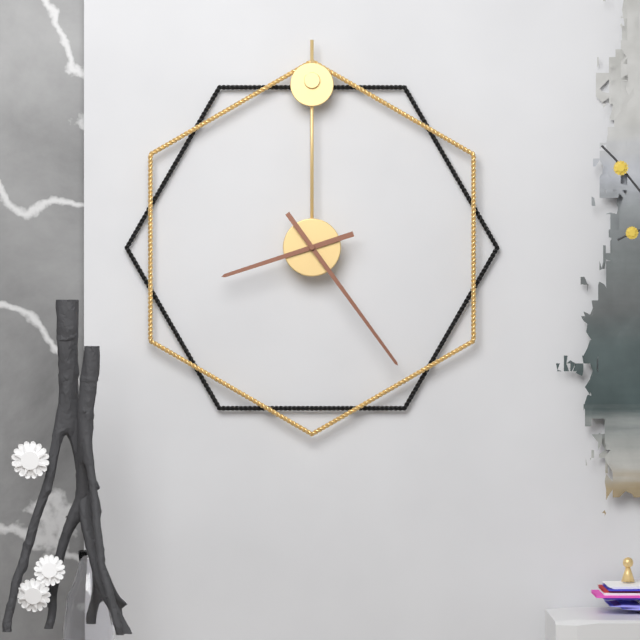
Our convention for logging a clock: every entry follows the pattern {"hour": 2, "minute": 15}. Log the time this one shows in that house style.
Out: {"hour": 8, "minute": 24}
